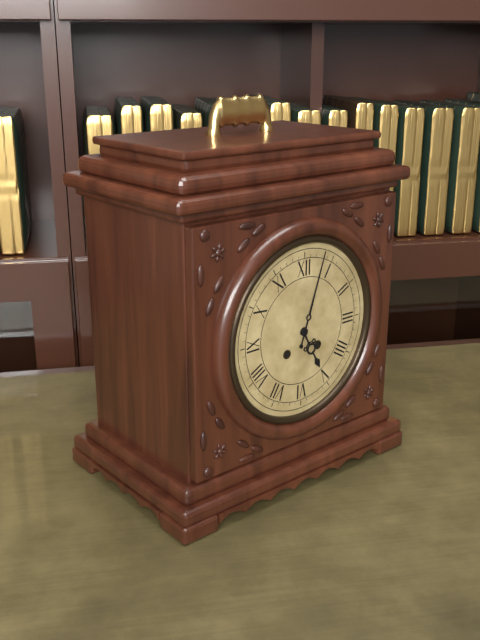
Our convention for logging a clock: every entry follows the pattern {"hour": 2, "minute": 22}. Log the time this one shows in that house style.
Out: {"hour": 5, "minute": 3}
